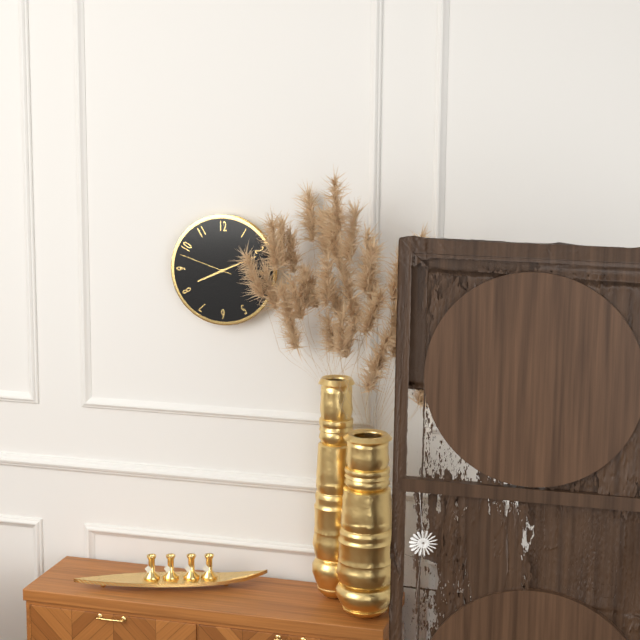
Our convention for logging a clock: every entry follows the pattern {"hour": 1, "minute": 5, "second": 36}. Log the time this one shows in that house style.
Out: {"hour": 8, "minute": 11, "second": 48}
